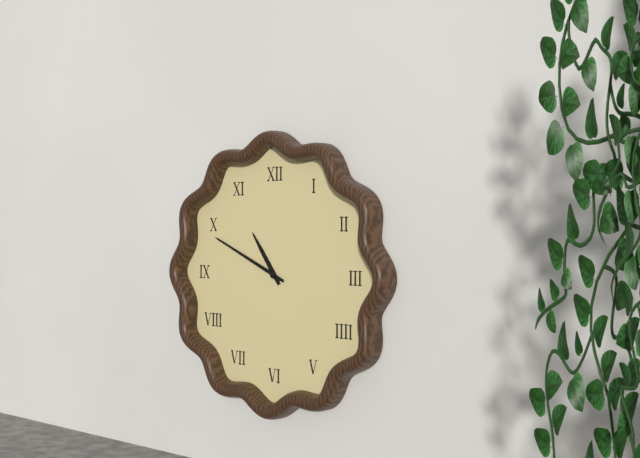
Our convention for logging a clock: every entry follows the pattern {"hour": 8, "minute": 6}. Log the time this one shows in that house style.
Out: {"hour": 10, "minute": 49}
